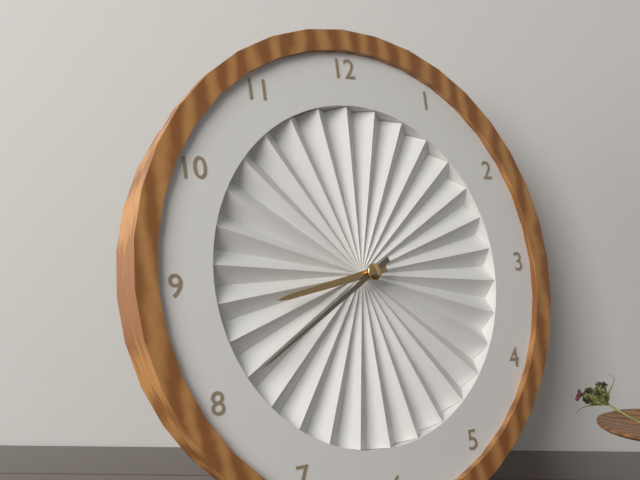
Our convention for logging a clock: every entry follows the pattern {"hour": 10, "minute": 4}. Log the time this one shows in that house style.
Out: {"hour": 8, "minute": 40}
